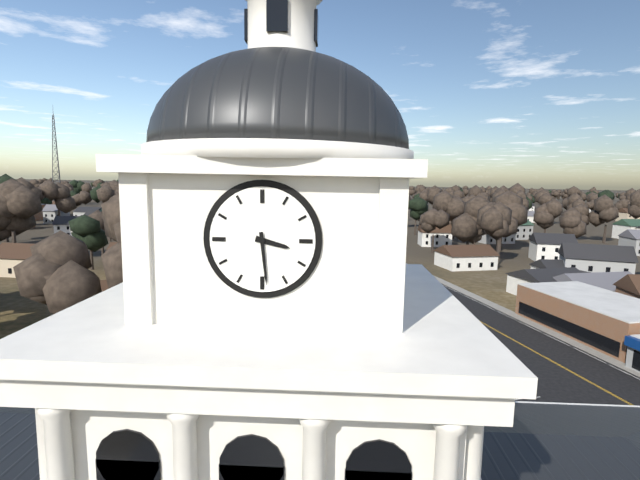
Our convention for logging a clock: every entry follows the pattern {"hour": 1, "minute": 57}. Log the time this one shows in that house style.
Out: {"hour": 3, "minute": 29}
